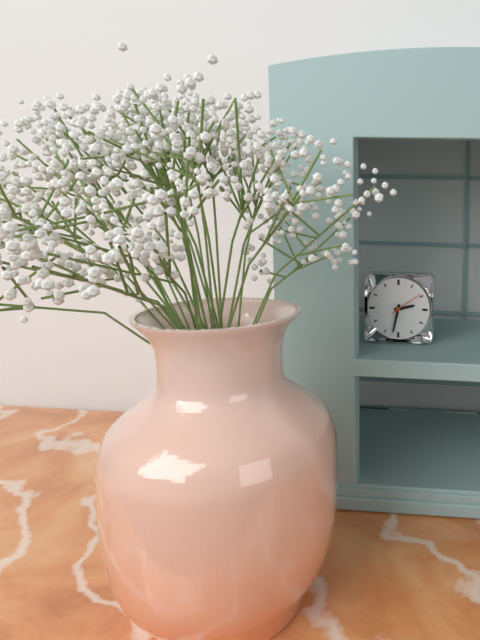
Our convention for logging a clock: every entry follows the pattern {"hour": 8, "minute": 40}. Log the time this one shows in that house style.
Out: {"hour": 2, "minute": 32}
